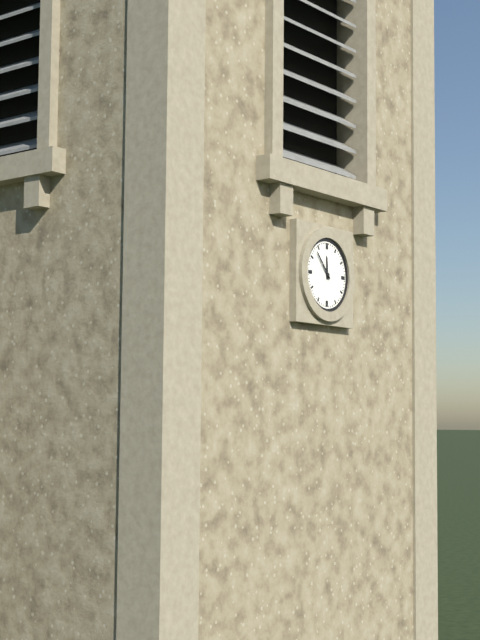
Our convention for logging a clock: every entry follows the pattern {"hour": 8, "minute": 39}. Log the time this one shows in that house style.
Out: {"hour": 11, "minute": 53}
